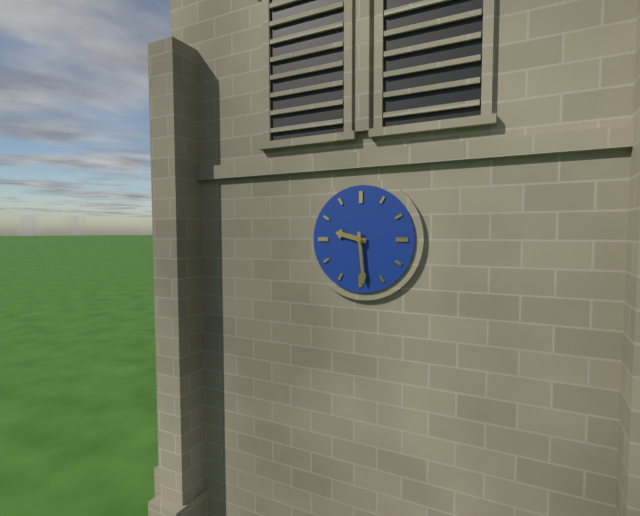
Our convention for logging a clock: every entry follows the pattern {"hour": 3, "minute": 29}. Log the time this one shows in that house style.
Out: {"hour": 9, "minute": 29}
